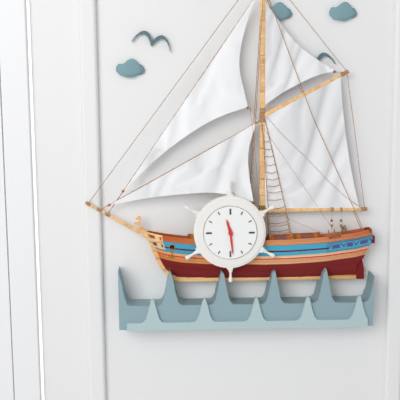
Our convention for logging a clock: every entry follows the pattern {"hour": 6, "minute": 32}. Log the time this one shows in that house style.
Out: {"hour": 11, "minute": 29}
